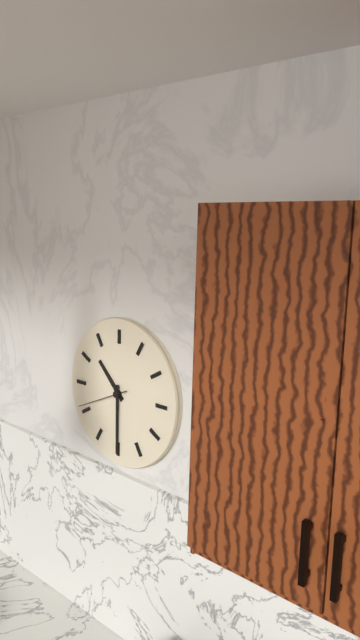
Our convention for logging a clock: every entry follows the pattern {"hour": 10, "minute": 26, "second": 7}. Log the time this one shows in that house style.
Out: {"hour": 10, "minute": 30, "second": 41}
